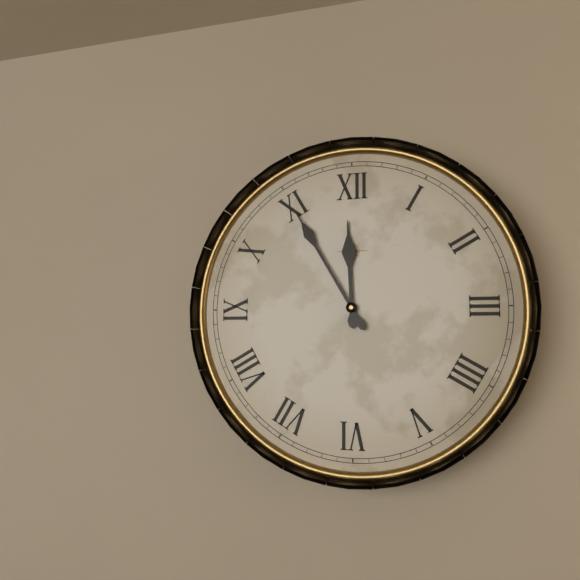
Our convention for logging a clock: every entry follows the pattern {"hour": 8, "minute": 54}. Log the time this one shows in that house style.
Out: {"hour": 11, "minute": 55}
